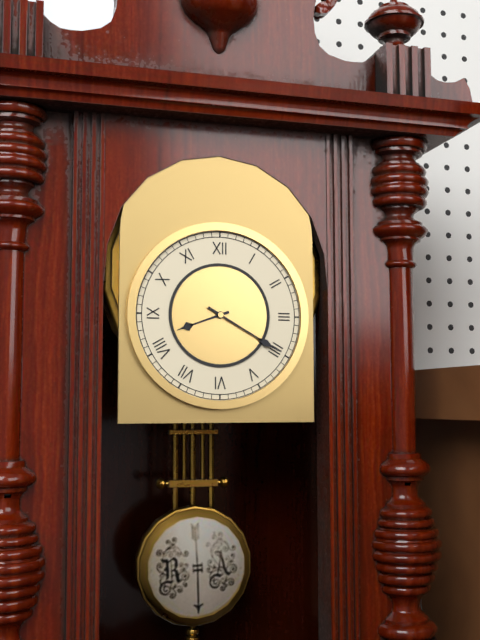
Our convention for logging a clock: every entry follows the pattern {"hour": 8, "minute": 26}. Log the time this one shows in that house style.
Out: {"hour": 8, "minute": 20}
